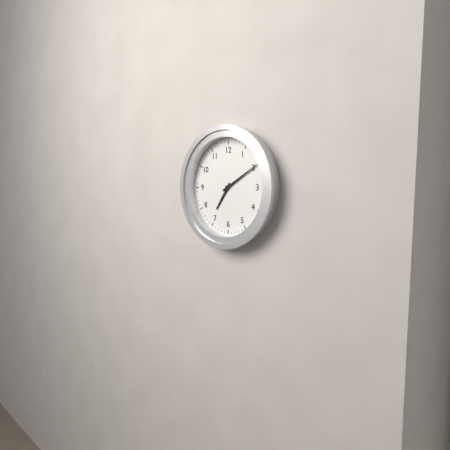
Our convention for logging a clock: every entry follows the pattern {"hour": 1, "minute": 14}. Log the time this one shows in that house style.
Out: {"hour": 7, "minute": 10}
